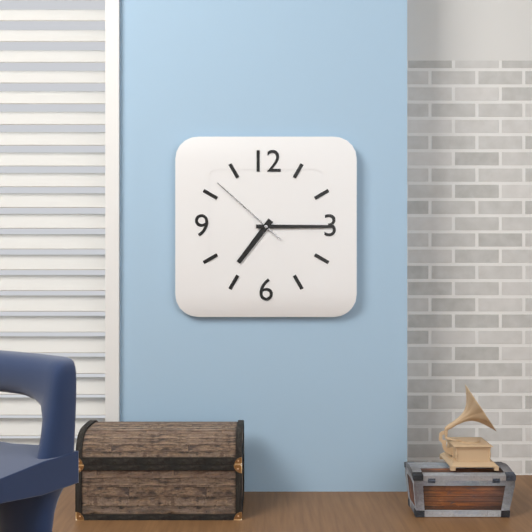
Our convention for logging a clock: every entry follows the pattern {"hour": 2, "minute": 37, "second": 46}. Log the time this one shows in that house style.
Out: {"hour": 7, "minute": 15, "second": 52}
